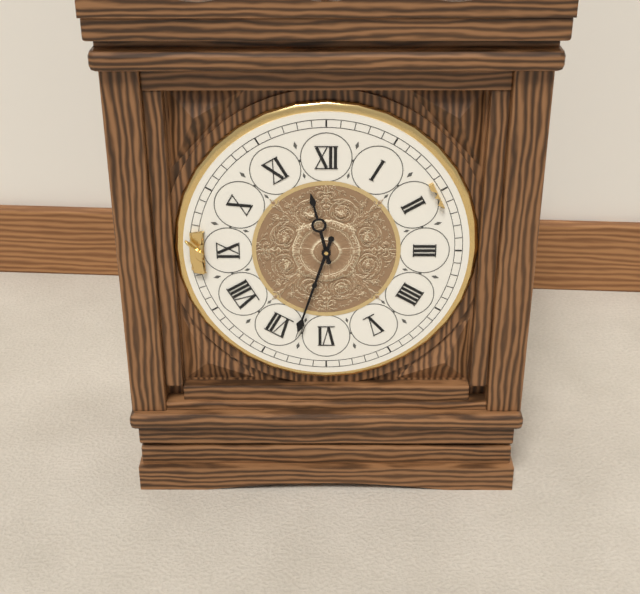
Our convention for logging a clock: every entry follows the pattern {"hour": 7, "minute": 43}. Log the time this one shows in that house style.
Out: {"hour": 11, "minute": 33}
